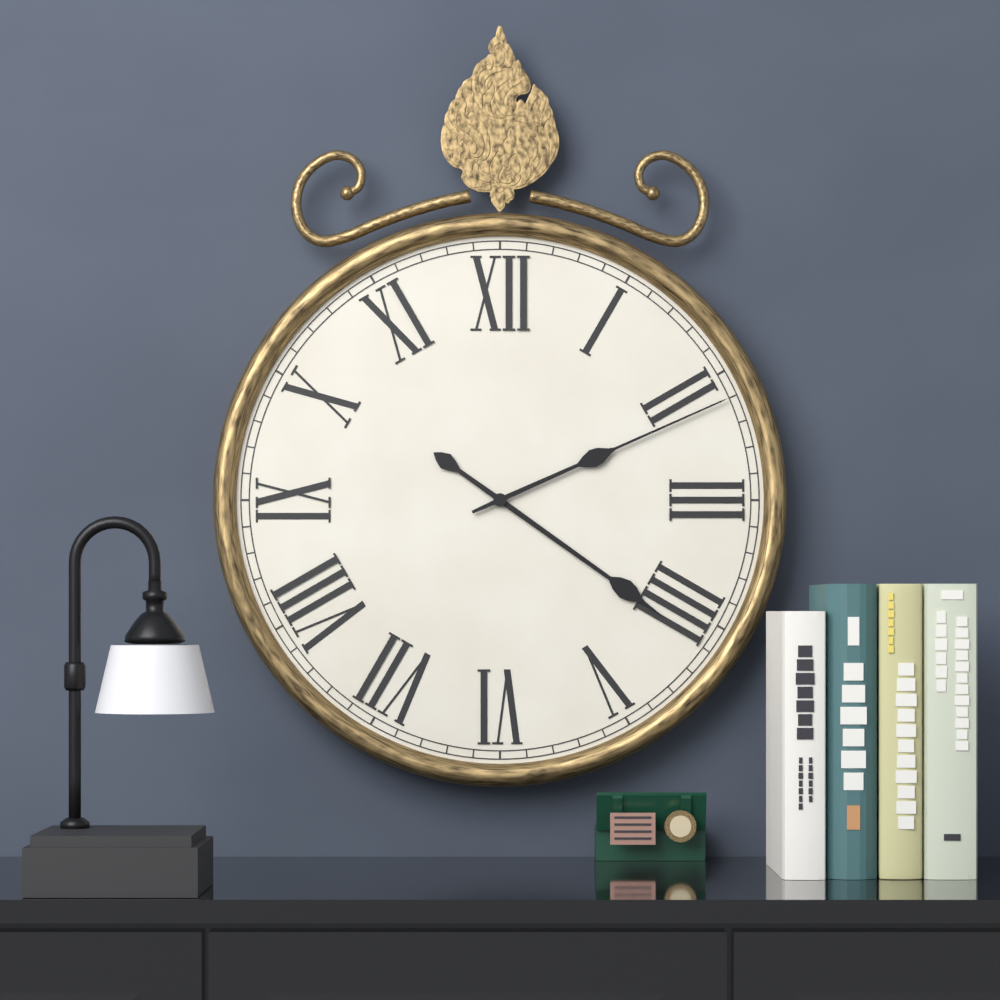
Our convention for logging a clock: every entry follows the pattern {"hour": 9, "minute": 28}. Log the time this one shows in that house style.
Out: {"hour": 4, "minute": 11}
